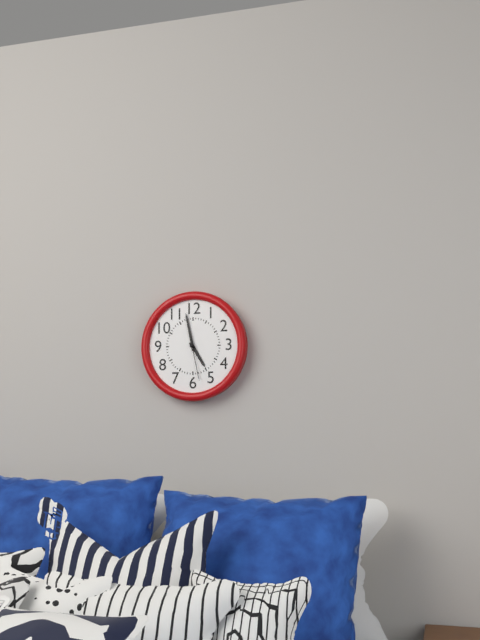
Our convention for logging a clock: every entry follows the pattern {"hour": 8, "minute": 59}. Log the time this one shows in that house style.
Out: {"hour": 4, "minute": 58}
